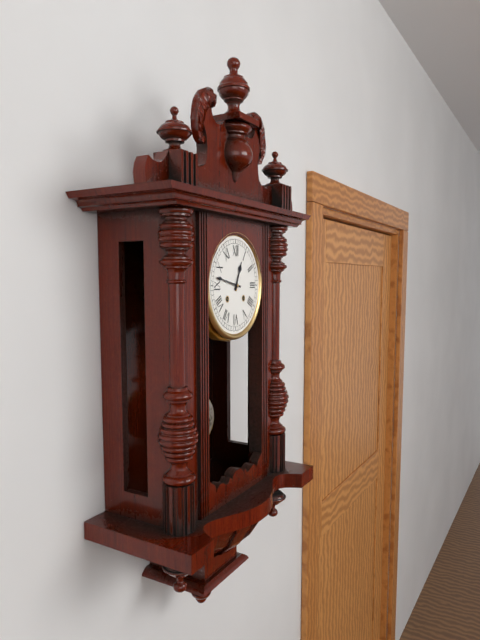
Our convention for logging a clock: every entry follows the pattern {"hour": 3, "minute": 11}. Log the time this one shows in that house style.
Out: {"hour": 12, "minute": 47}
